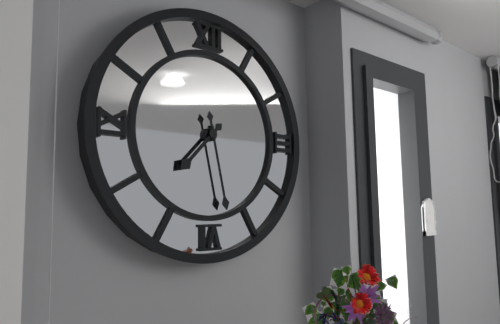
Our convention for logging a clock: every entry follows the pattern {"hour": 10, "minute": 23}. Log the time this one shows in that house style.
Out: {"hour": 7, "minute": 28}
